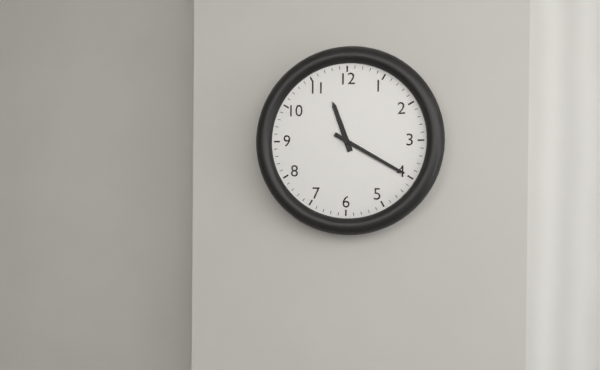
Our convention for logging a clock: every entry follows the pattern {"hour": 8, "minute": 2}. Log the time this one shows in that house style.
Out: {"hour": 11, "minute": 20}
